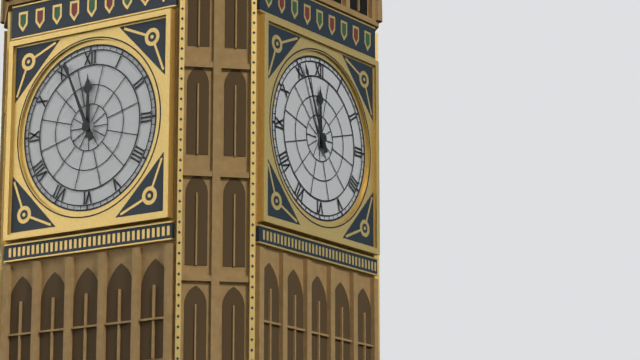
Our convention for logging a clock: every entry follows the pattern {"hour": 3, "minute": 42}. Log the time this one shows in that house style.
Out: {"hour": 11, "minute": 56}
